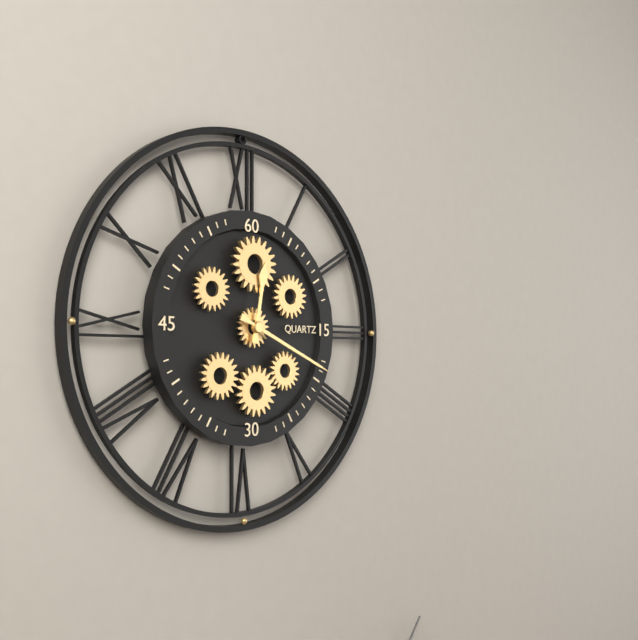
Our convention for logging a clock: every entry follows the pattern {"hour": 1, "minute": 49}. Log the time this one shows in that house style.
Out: {"hour": 12, "minute": 19}
